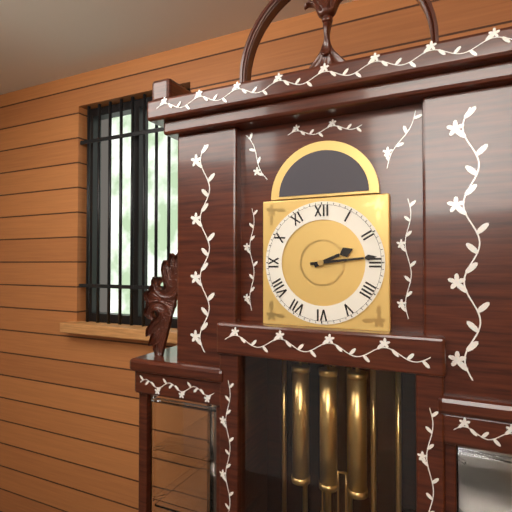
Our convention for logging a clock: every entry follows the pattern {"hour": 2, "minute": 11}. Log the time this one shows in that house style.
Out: {"hour": 2, "minute": 14}
